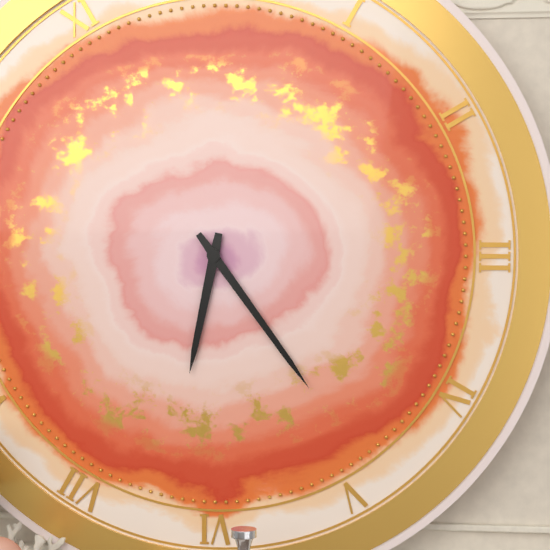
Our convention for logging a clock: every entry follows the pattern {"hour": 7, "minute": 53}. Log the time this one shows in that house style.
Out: {"hour": 6, "minute": 24}
